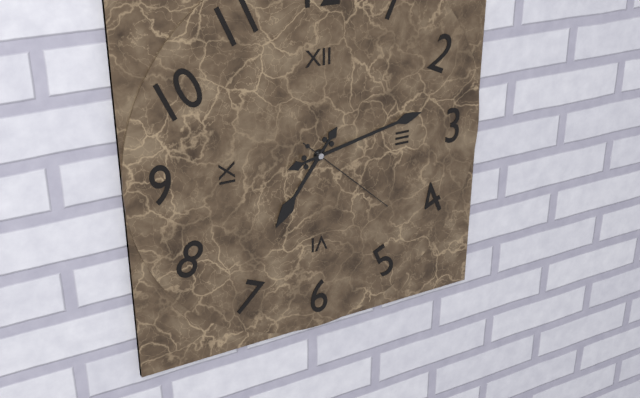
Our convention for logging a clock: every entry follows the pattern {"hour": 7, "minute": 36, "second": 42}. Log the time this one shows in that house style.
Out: {"hour": 7, "minute": 13, "second": 22}
